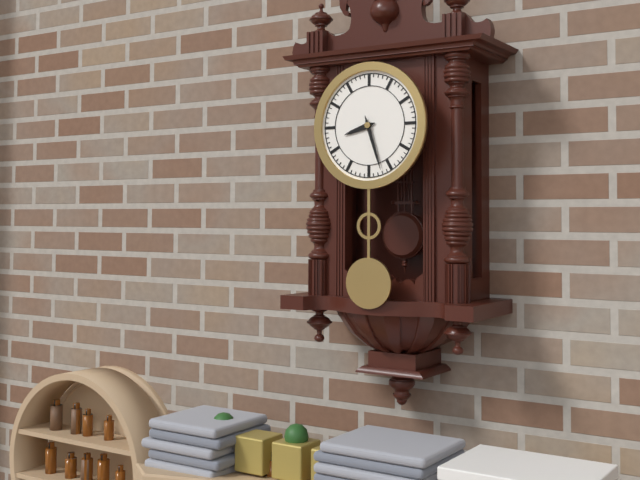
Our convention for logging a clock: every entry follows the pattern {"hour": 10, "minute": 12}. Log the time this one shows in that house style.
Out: {"hour": 8, "minute": 27}
